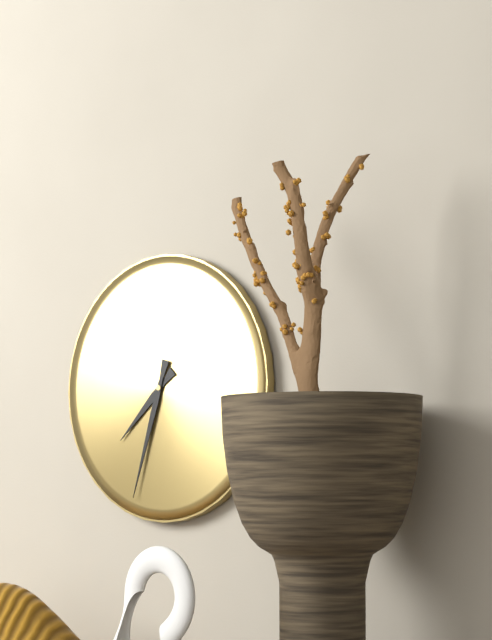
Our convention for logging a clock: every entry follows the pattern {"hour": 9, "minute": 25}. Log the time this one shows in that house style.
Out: {"hour": 7, "minute": 33}
